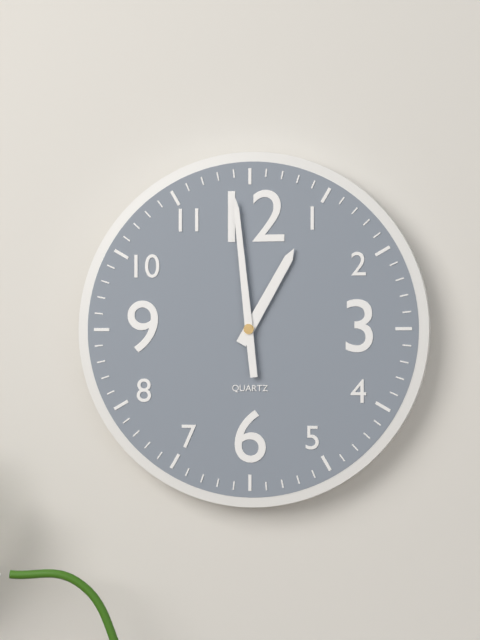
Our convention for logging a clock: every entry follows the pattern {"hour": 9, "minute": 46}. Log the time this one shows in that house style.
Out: {"hour": 12, "minute": 59}
